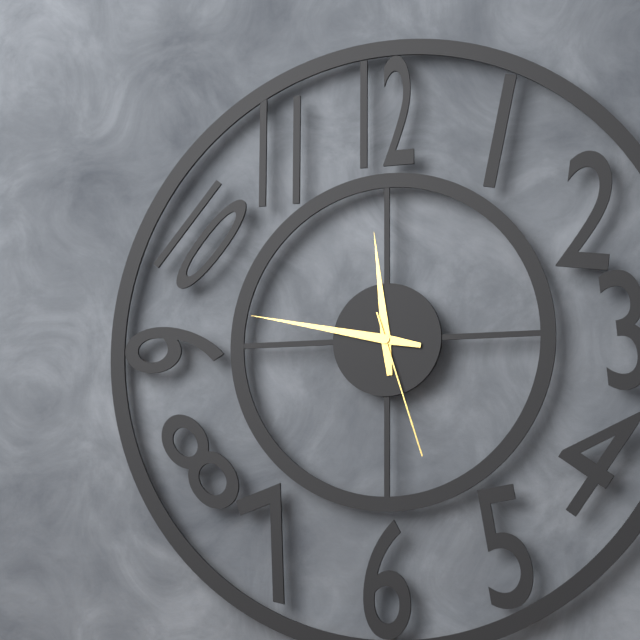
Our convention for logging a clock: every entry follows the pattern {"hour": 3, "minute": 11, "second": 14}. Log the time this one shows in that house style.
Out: {"hour": 11, "minute": 47, "second": 27}
